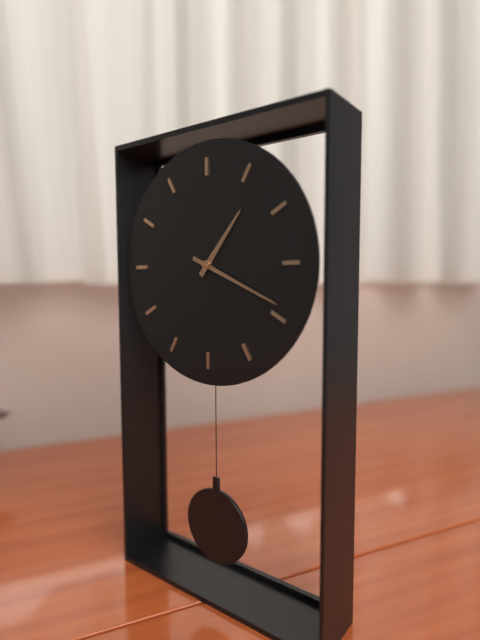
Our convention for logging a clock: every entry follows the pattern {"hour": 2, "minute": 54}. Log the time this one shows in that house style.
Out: {"hour": 1, "minute": 19}
